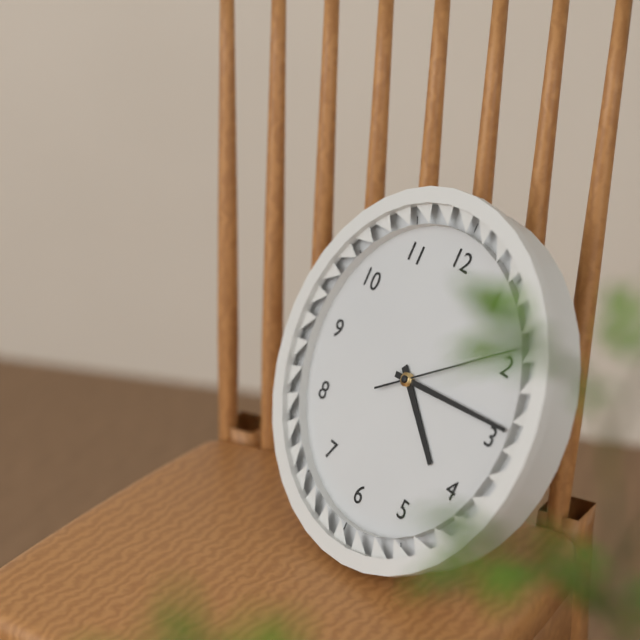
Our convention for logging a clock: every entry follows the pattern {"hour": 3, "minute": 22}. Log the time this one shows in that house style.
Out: {"hour": 4, "minute": 14}
